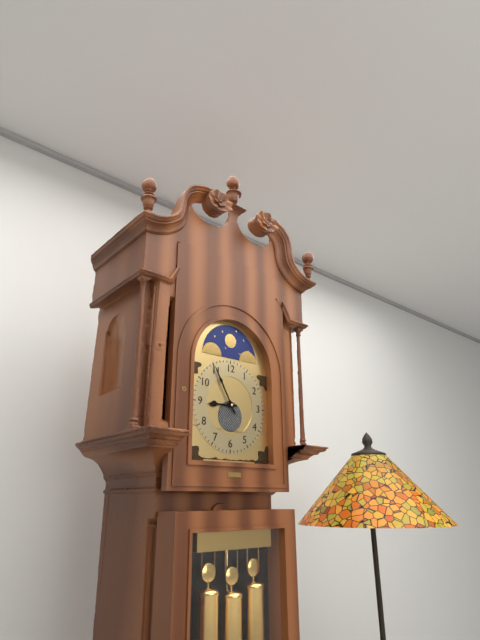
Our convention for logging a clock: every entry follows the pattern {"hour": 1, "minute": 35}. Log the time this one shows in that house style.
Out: {"hour": 8, "minute": 55}
